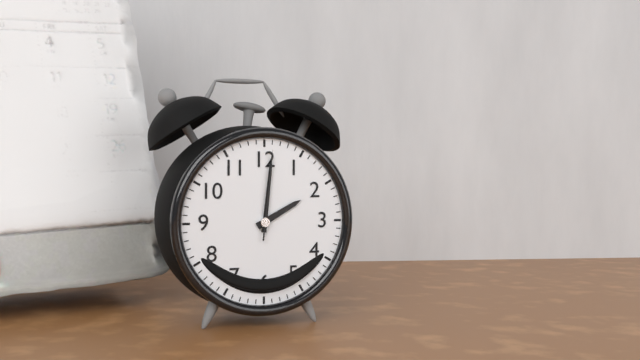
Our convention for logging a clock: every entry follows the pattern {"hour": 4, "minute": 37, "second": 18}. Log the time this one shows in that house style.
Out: {"hour": 2, "minute": 1, "second": 1}
